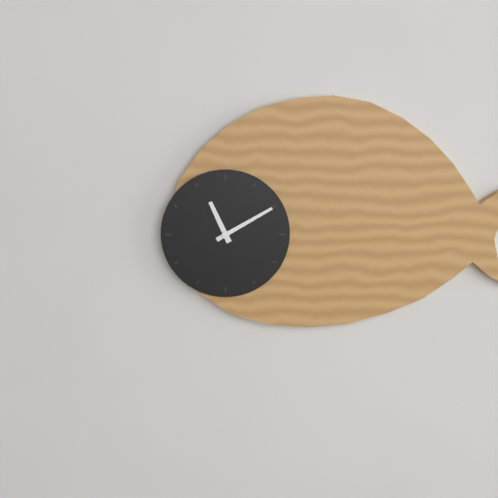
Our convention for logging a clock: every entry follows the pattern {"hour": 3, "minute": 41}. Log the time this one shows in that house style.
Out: {"hour": 11, "minute": 10}
